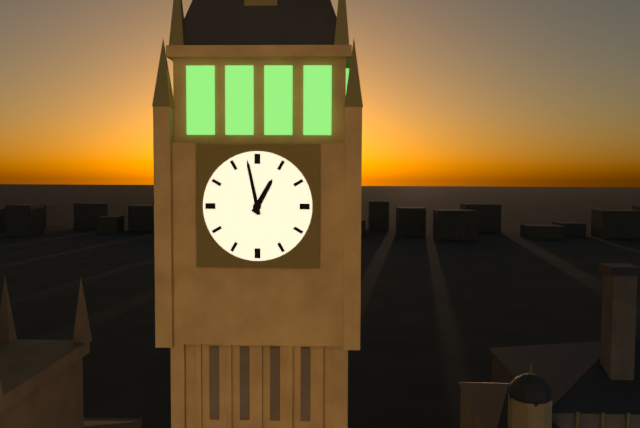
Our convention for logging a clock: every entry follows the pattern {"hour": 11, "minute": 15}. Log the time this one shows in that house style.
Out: {"hour": 12, "minute": 58}
